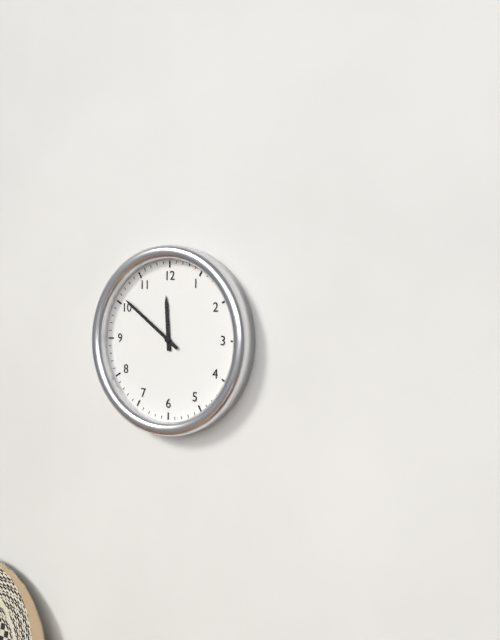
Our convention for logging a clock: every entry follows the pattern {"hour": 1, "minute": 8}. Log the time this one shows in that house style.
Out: {"hour": 11, "minute": 51}
